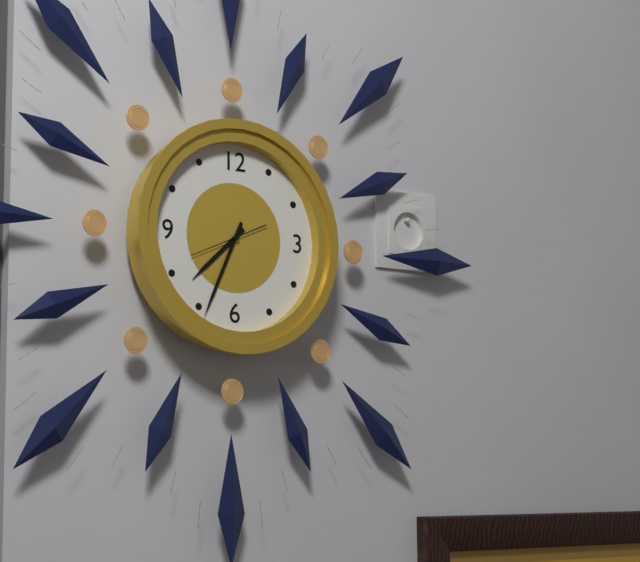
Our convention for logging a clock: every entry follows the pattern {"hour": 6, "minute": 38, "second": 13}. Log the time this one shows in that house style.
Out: {"hour": 7, "minute": 34, "second": 41}
